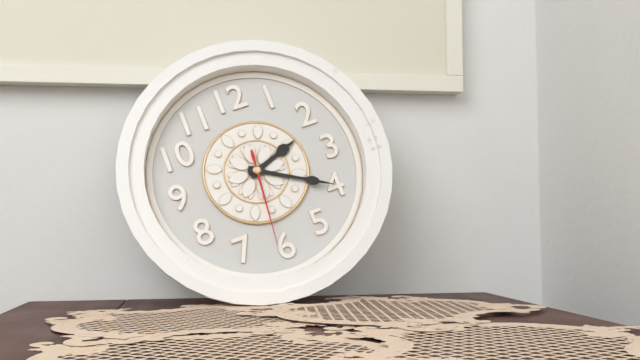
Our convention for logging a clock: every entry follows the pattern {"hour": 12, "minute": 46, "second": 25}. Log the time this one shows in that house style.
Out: {"hour": 2, "minute": 20, "second": 31}
